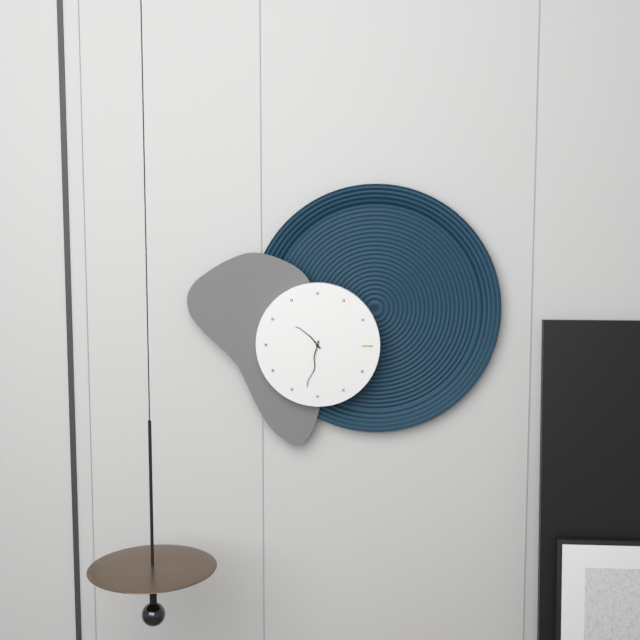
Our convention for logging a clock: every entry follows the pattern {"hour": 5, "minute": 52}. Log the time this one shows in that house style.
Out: {"hour": 10, "minute": 32}
